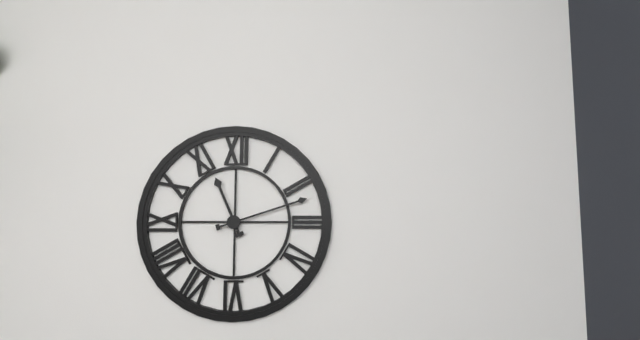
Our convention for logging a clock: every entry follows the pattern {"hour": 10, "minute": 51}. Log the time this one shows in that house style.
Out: {"hour": 11, "minute": 12}
